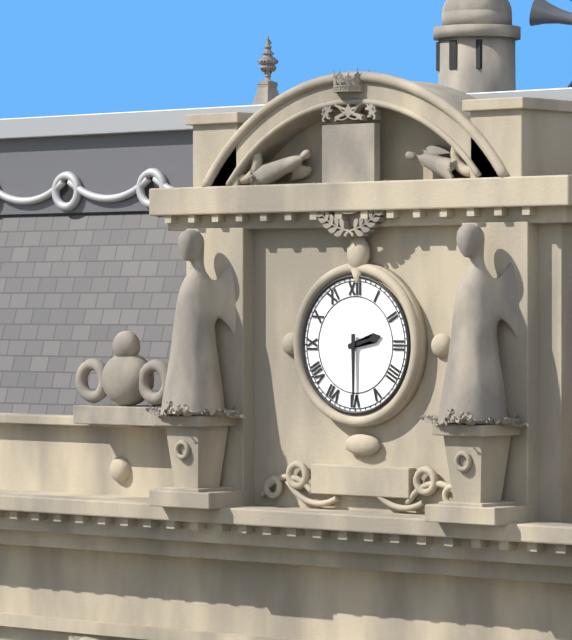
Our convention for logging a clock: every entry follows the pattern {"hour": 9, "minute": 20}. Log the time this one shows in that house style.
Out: {"hour": 2, "minute": 30}
